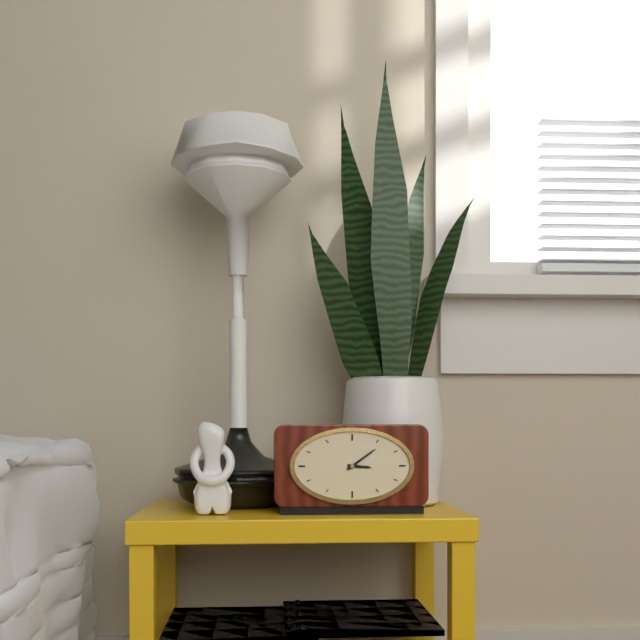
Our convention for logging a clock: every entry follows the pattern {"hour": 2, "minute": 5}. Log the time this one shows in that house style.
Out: {"hour": 3, "minute": 9}
